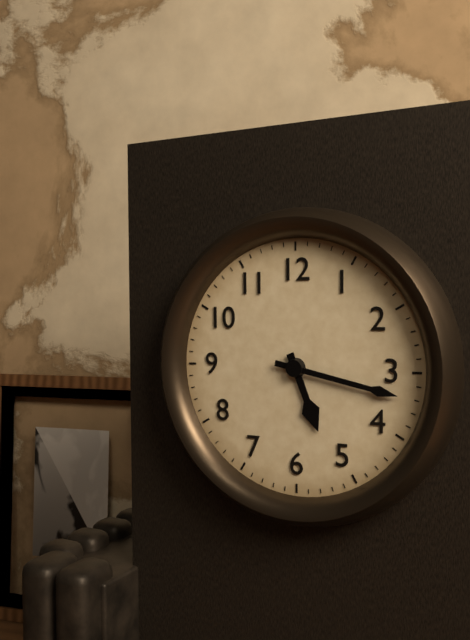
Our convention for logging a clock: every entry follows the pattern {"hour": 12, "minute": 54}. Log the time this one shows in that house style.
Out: {"hour": 5, "minute": 17}
